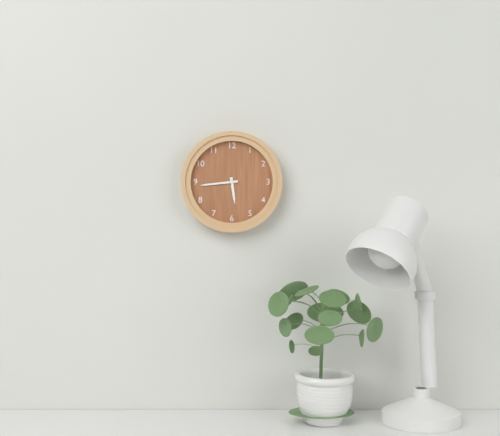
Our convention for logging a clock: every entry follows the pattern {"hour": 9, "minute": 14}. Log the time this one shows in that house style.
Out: {"hour": 5, "minute": 44}
